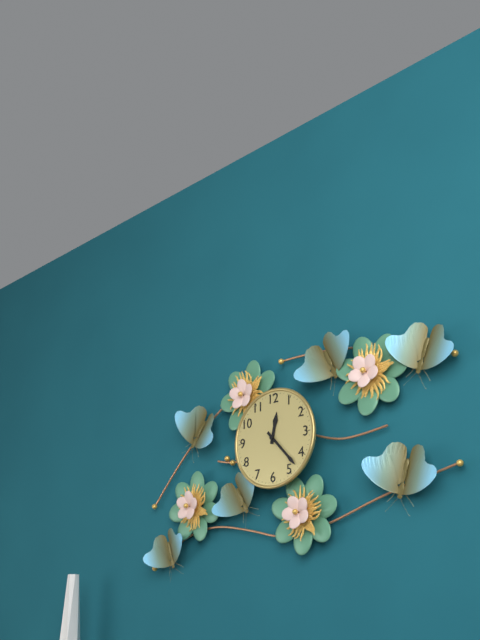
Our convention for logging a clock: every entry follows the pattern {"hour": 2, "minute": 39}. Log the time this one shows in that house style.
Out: {"hour": 12, "minute": 23}
